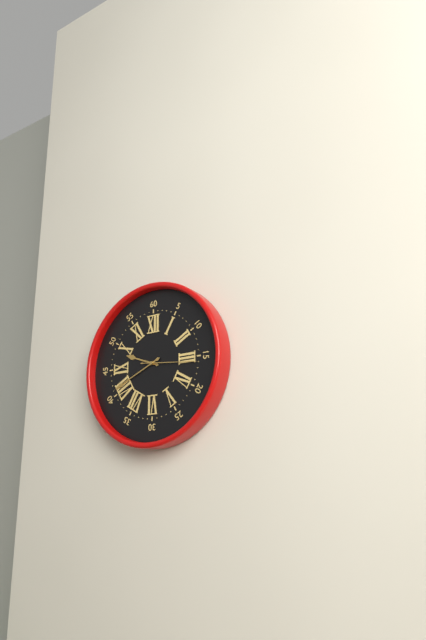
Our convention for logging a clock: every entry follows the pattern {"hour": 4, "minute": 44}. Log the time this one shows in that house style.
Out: {"hour": 9, "minute": 41}
